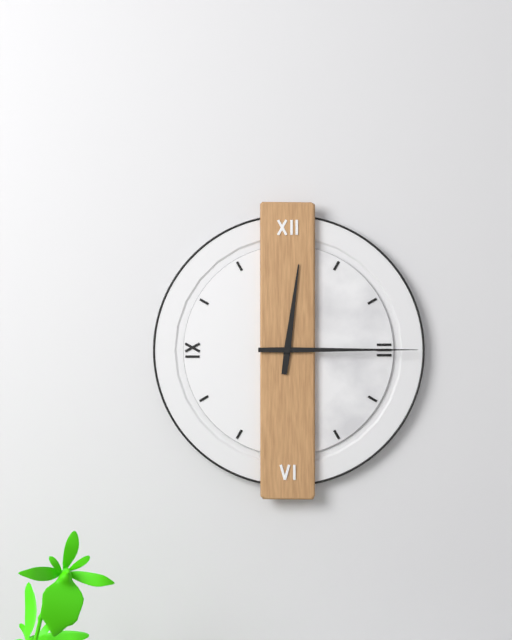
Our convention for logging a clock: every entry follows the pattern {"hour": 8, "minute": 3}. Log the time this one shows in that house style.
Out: {"hour": 12, "minute": 15}
